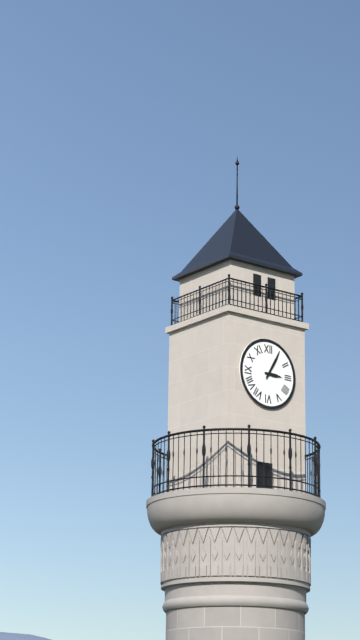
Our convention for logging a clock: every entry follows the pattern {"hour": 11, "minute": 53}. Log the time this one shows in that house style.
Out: {"hour": 3, "minute": 5}
